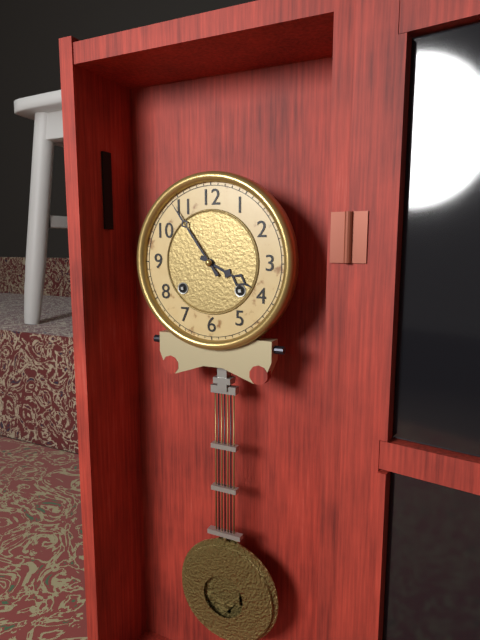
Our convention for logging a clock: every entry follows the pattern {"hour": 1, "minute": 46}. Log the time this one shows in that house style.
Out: {"hour": 3, "minute": 54}
